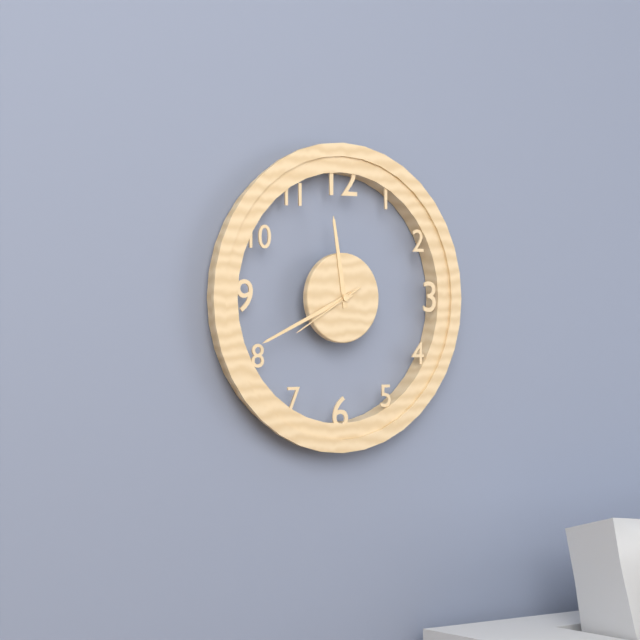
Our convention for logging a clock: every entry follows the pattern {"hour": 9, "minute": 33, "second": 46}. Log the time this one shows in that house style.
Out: {"hour": 11, "minute": 41, "second": 40}
